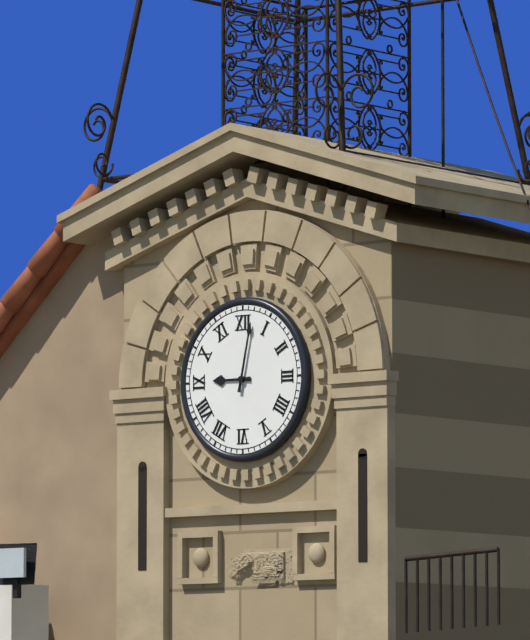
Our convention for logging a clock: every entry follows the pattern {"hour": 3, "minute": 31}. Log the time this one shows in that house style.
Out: {"hour": 9, "minute": 2}
